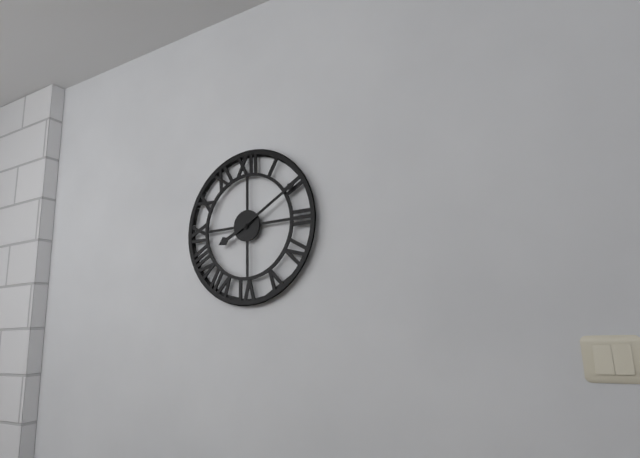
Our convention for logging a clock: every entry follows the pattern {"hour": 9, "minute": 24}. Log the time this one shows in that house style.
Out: {"hour": 8, "minute": 10}
